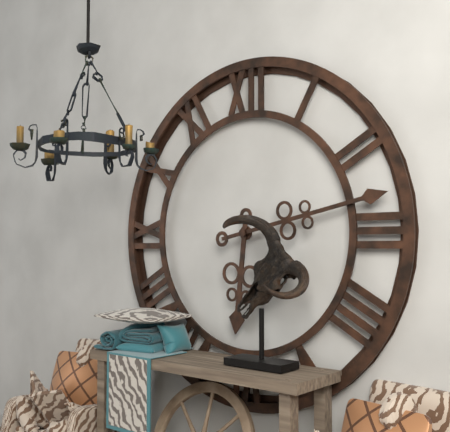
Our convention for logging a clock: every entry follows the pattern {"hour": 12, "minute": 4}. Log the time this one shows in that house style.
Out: {"hour": 6, "minute": 13}
